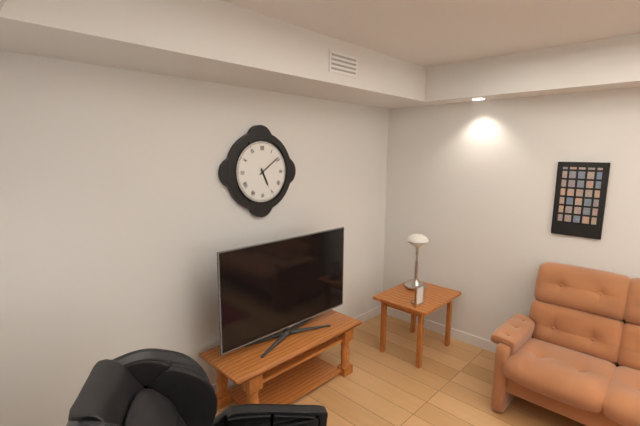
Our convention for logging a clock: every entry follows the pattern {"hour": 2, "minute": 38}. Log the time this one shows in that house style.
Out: {"hour": 5, "minute": 9}
